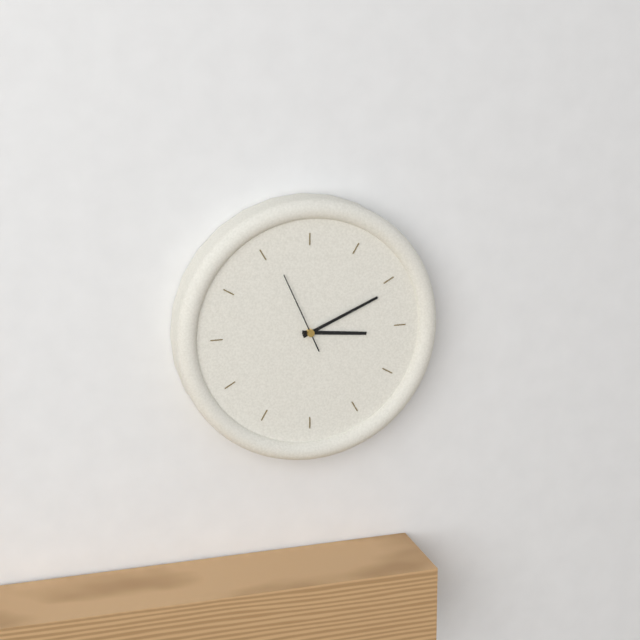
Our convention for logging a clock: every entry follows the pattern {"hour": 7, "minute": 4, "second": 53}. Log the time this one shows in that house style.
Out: {"hour": 3, "minute": 11, "second": 56}
